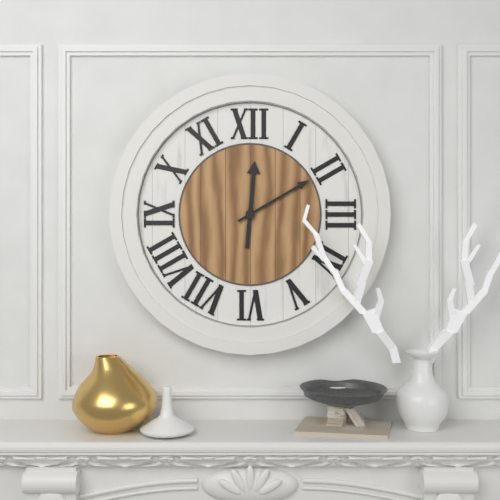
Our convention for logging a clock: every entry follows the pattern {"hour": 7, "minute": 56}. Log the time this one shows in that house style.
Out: {"hour": 12, "minute": 10}
